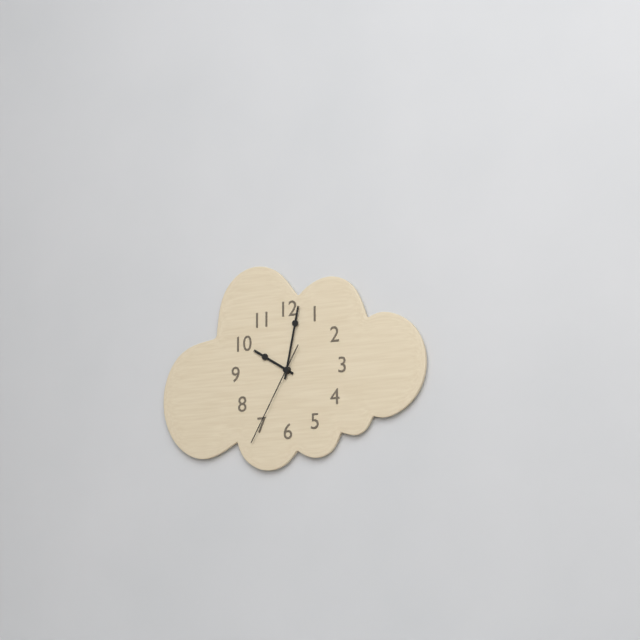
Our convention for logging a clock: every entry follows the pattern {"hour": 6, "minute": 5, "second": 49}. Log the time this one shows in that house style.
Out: {"hour": 10, "minute": 2, "second": 35}
